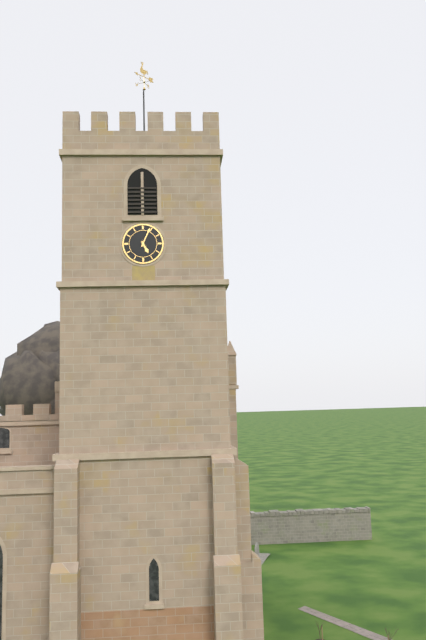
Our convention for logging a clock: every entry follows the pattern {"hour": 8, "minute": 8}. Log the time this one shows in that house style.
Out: {"hour": 5, "minute": 4}
